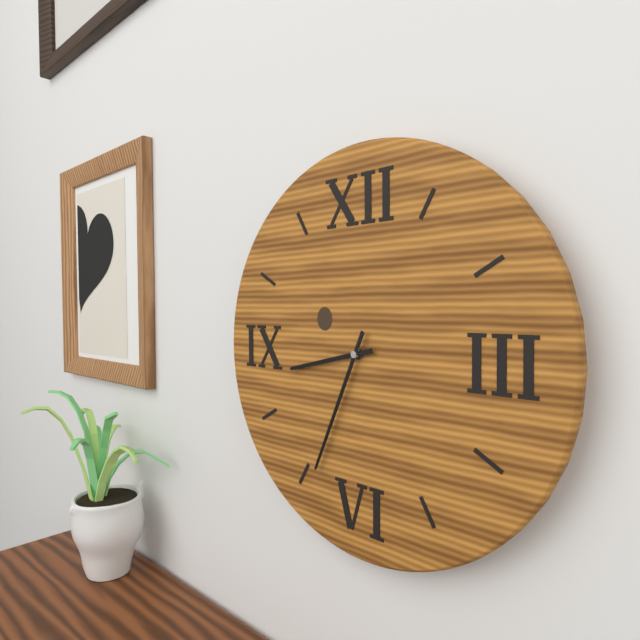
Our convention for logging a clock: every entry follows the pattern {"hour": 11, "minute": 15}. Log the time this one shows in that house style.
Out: {"hour": 8, "minute": 34}
